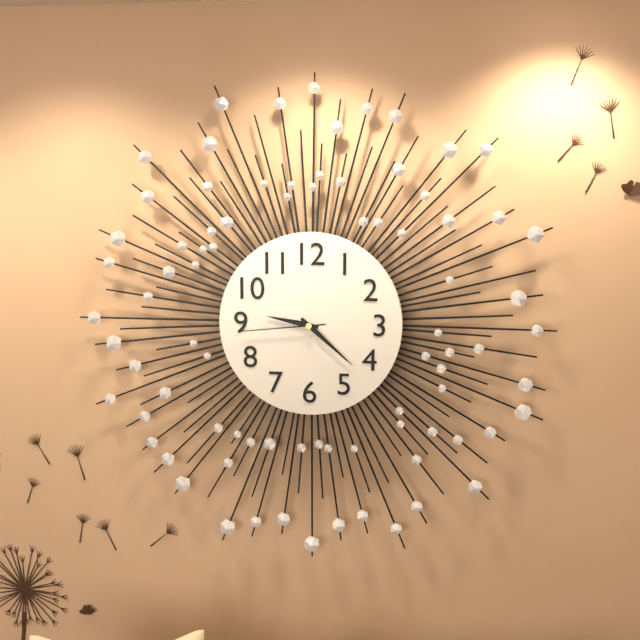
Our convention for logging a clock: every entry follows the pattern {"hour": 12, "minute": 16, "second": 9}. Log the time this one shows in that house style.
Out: {"hour": 9, "minute": 22, "second": 44}
